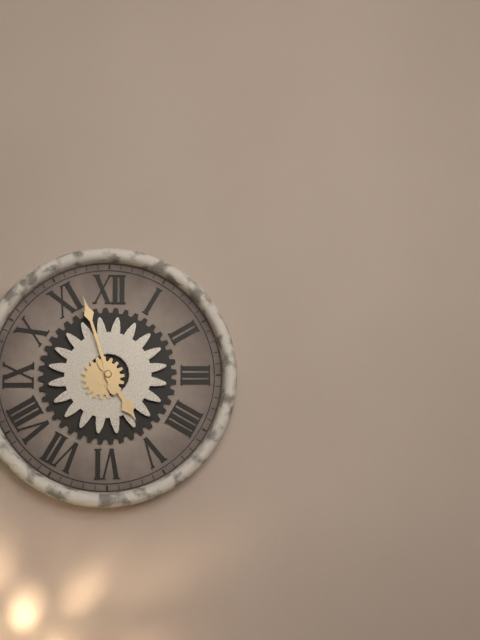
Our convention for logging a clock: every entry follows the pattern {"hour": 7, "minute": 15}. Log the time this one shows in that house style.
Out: {"hour": 4, "minute": 57}
